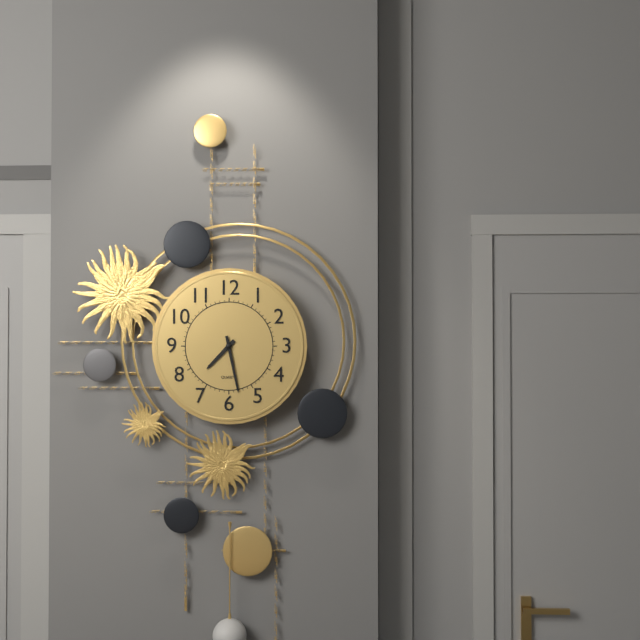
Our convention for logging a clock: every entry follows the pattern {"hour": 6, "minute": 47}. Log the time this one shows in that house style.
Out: {"hour": 7, "minute": 28}
